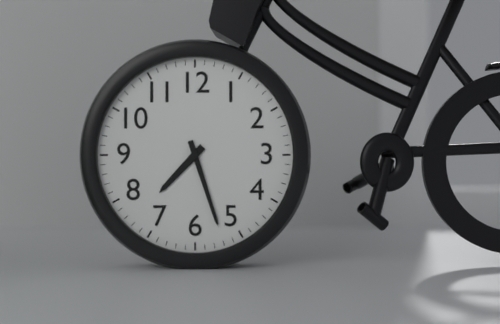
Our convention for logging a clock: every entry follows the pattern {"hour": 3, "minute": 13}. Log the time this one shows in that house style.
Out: {"hour": 7, "minute": 27}
